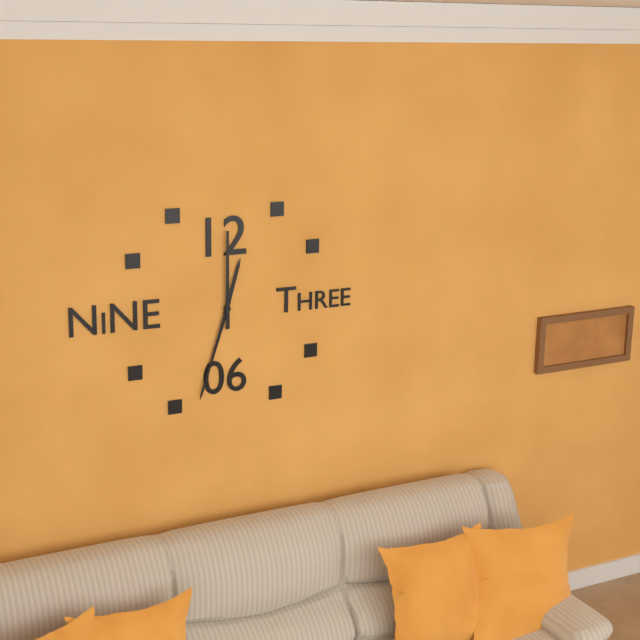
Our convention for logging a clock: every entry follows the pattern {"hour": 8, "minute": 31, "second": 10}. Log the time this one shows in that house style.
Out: {"hour": 12, "minute": 33, "second": 0}
